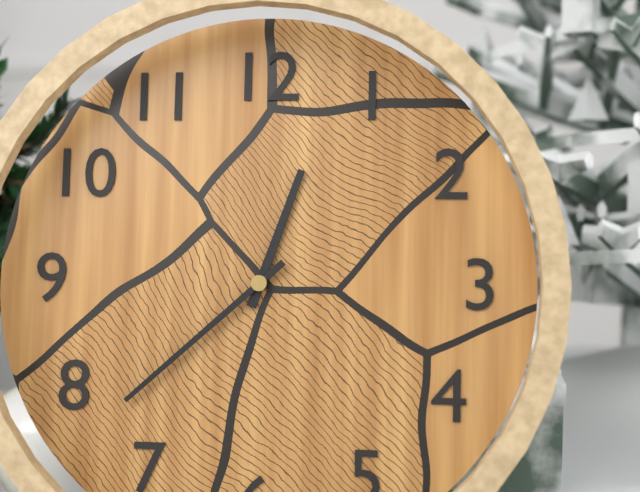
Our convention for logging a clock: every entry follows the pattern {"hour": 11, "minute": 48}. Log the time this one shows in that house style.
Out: {"hour": 12, "minute": 38}
